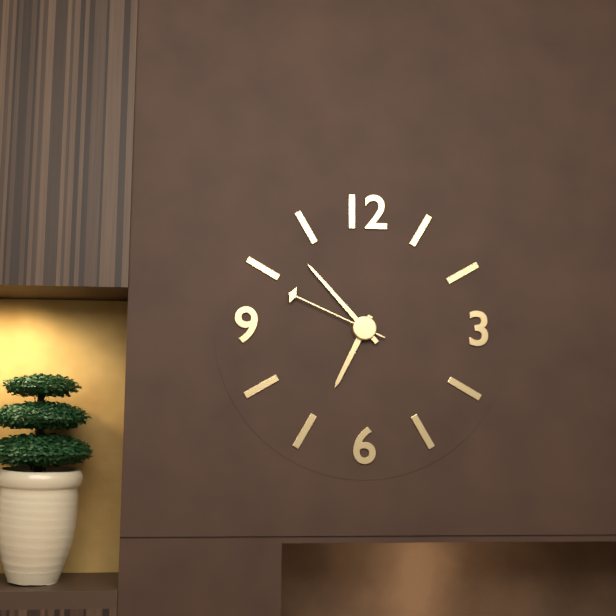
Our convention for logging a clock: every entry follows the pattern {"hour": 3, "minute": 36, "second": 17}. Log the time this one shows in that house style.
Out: {"hour": 6, "minute": 53, "second": 49}
